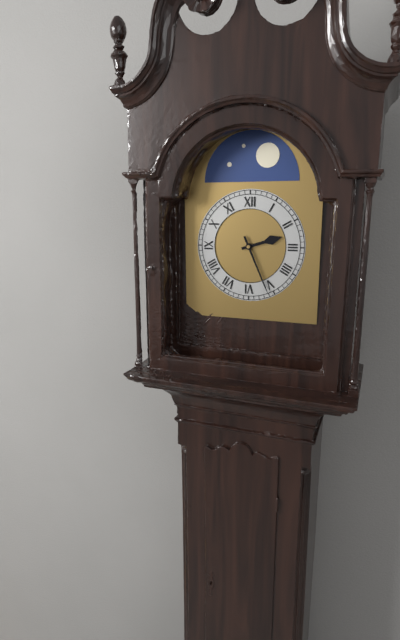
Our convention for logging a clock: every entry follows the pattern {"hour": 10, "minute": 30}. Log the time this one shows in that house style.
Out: {"hour": 2, "minute": 26}
